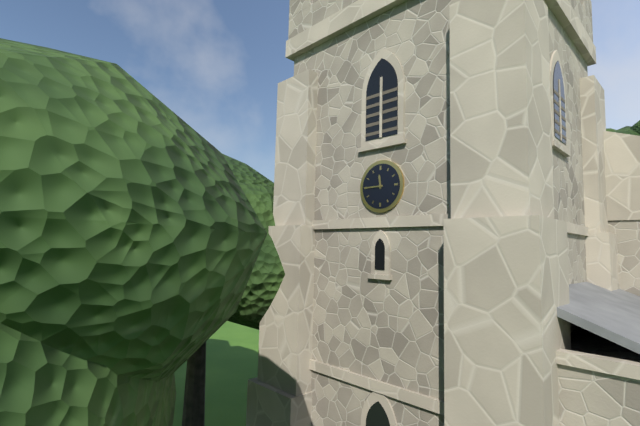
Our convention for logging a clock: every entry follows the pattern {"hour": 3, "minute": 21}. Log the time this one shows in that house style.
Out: {"hour": 11, "minute": 45}
